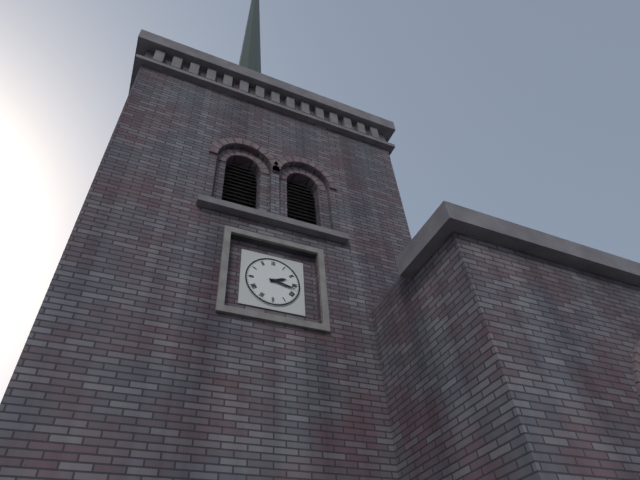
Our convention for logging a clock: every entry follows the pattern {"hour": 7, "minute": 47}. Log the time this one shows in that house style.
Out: {"hour": 2, "minute": 17}
